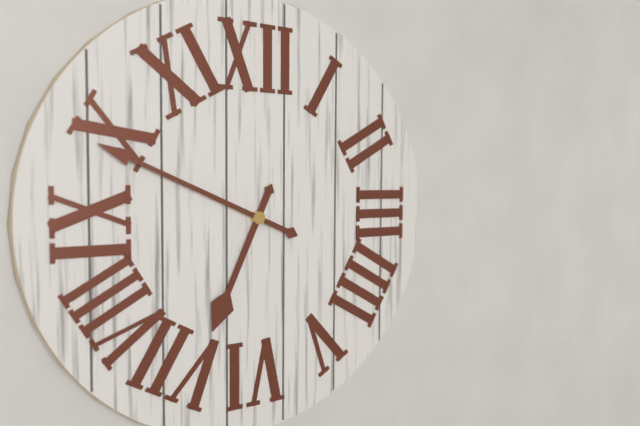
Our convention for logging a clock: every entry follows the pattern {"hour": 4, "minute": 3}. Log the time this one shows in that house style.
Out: {"hour": 6, "minute": 49}
